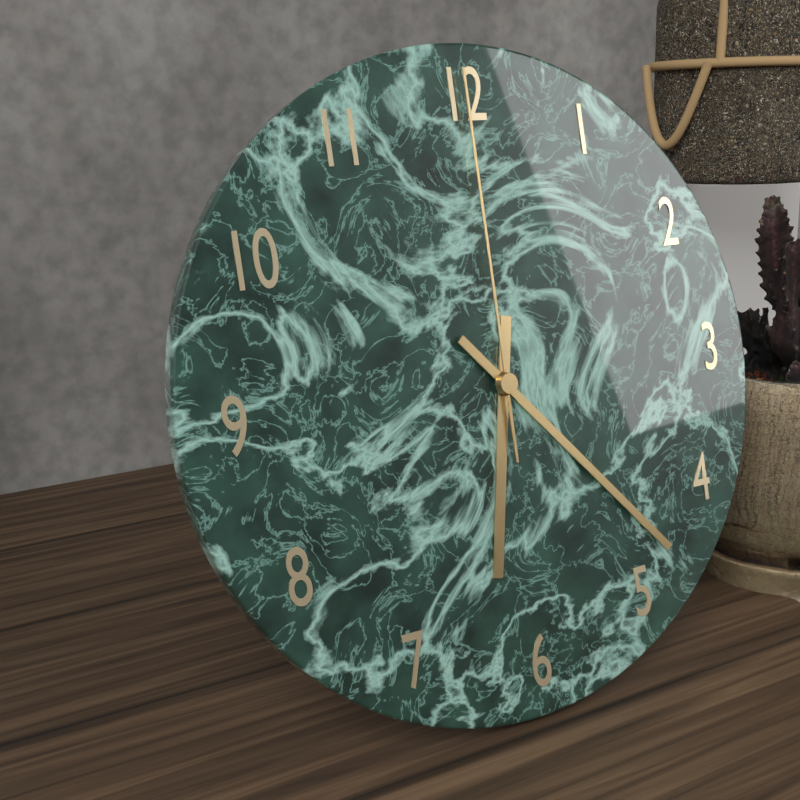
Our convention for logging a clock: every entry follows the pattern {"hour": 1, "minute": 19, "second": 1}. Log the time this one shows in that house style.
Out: {"hour": 6, "minute": 23, "second": 0}
